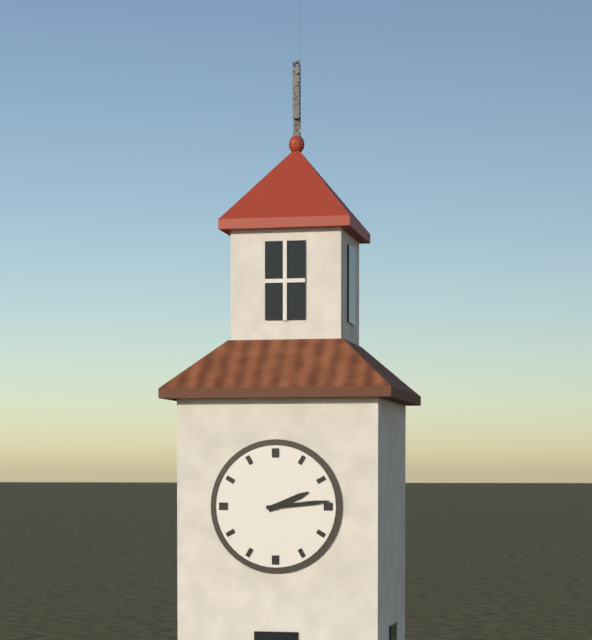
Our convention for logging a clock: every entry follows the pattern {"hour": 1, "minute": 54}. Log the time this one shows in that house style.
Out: {"hour": 2, "minute": 14}
